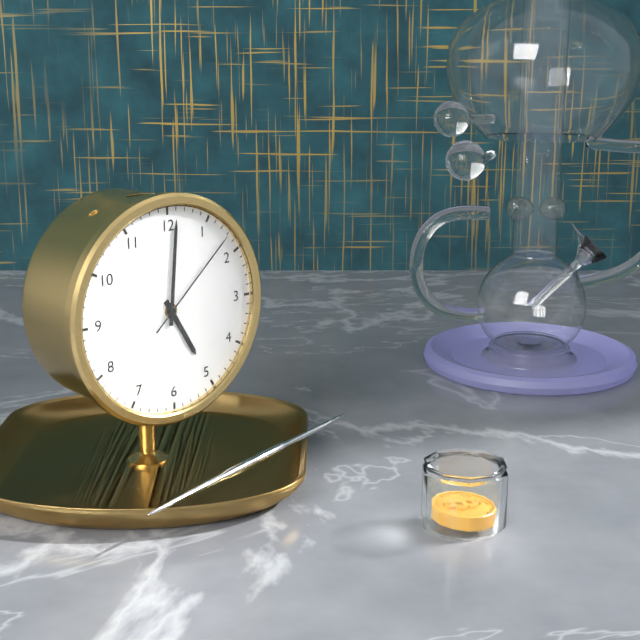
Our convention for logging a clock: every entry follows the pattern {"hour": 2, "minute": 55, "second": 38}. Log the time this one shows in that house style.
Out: {"hour": 5, "minute": 1, "second": 8}
